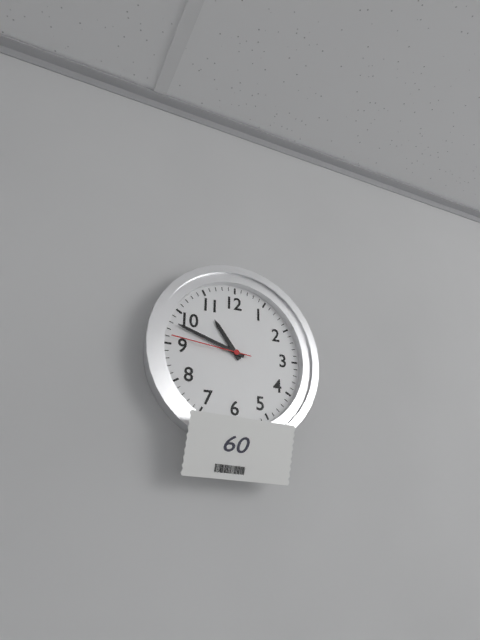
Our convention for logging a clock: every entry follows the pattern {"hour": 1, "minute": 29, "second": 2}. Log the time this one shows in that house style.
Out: {"hour": 10, "minute": 48, "second": 46}
